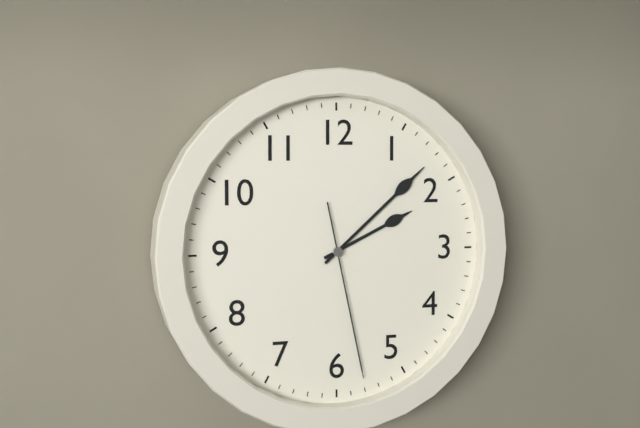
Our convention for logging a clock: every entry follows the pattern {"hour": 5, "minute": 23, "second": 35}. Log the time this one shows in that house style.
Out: {"hour": 2, "minute": 8, "second": 28}
